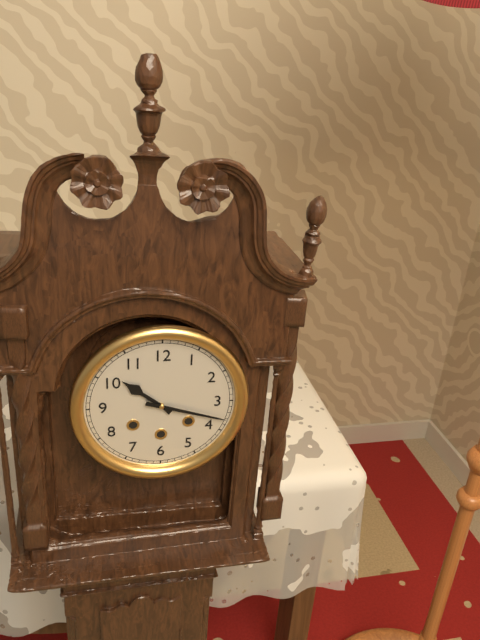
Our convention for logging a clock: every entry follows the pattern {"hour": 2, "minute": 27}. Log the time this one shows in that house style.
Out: {"hour": 10, "minute": 18}
